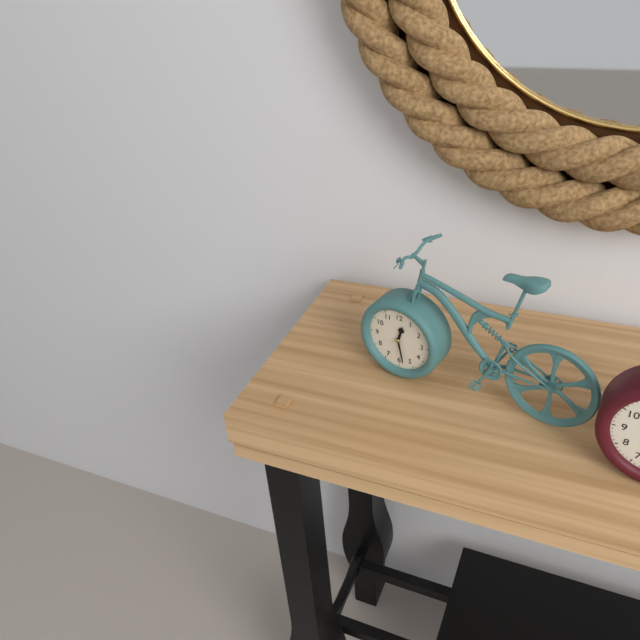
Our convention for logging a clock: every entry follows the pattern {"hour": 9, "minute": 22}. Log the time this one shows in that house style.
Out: {"hour": 12, "minute": 28}
